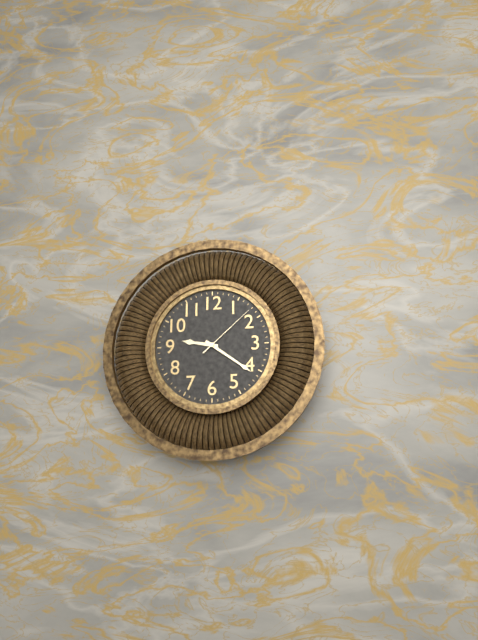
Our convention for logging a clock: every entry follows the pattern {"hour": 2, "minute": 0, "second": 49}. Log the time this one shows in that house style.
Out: {"hour": 9, "minute": 21, "second": 8}
